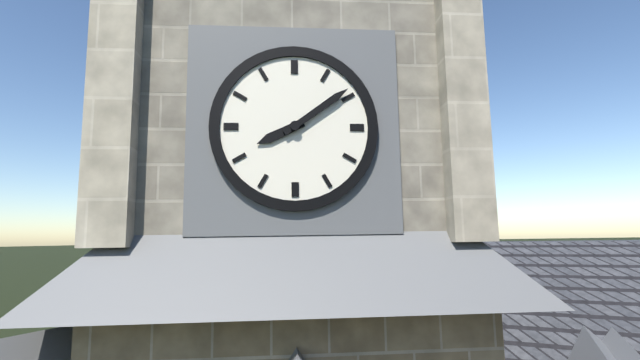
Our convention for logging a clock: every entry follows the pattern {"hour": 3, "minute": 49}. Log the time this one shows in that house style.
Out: {"hour": 8, "minute": 9}
